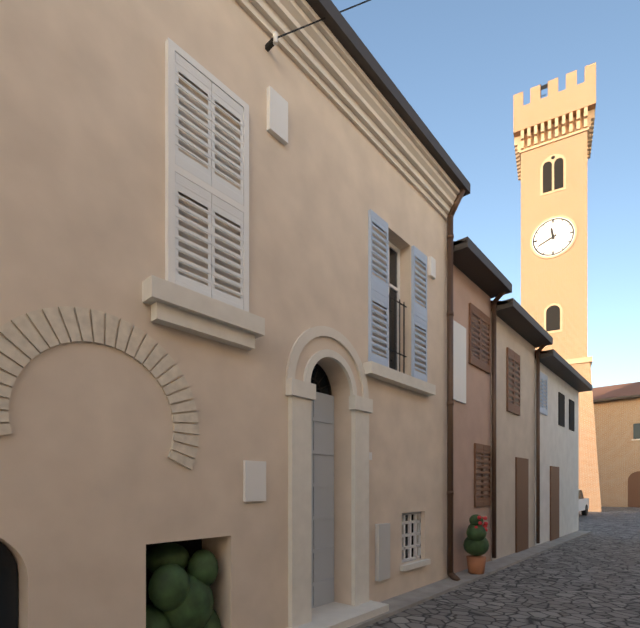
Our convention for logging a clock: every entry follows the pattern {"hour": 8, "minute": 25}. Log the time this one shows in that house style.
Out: {"hour": 11, "minute": 41}
